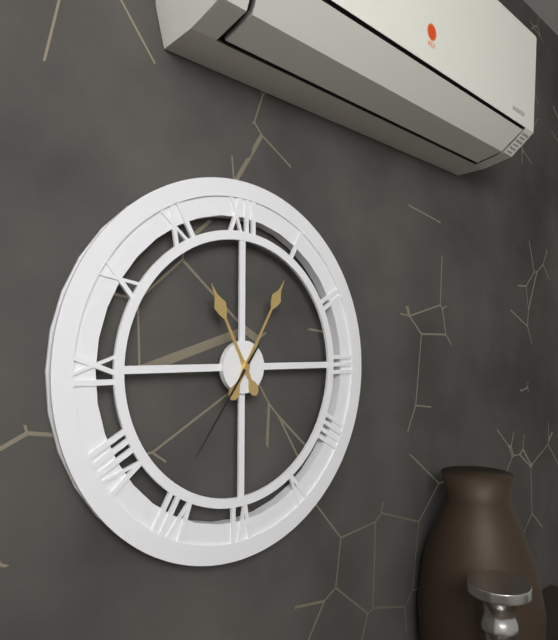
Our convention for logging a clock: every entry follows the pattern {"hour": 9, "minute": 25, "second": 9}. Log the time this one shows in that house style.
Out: {"hour": 11, "minute": 5, "second": 36}
